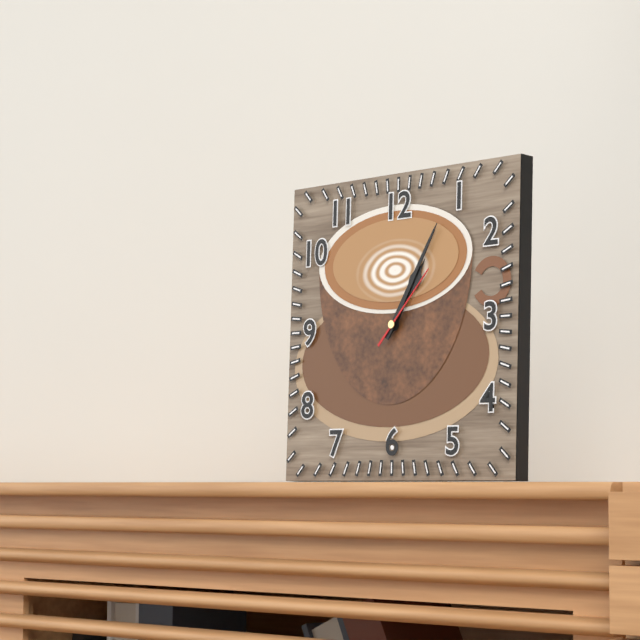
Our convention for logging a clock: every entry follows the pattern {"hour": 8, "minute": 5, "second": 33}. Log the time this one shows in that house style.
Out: {"hour": 1, "minute": 5, "second": 7}
